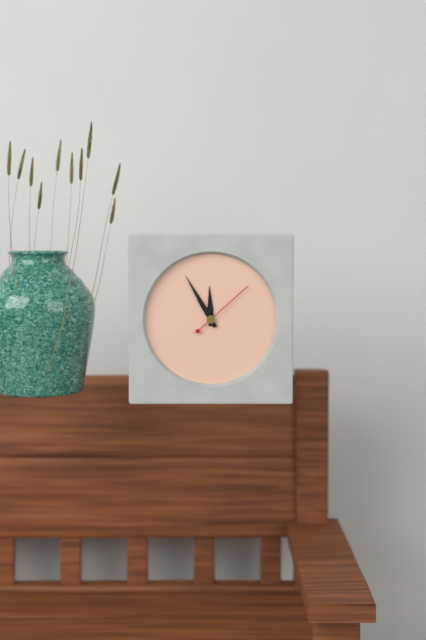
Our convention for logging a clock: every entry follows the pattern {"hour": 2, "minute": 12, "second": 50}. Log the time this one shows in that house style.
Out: {"hour": 11, "minute": 55, "second": 8}
